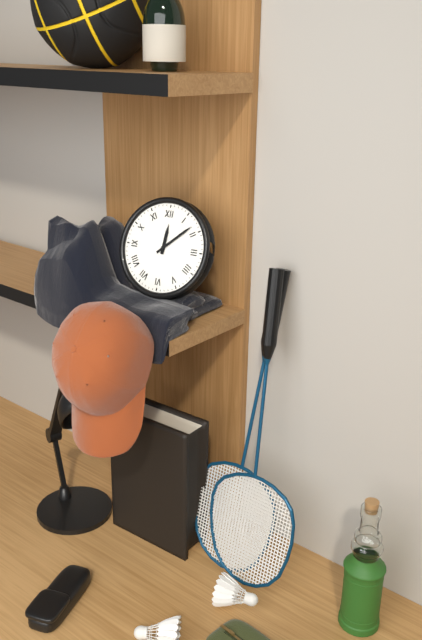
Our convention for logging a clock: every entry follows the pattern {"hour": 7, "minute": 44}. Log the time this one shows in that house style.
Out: {"hour": 12, "minute": 8}
